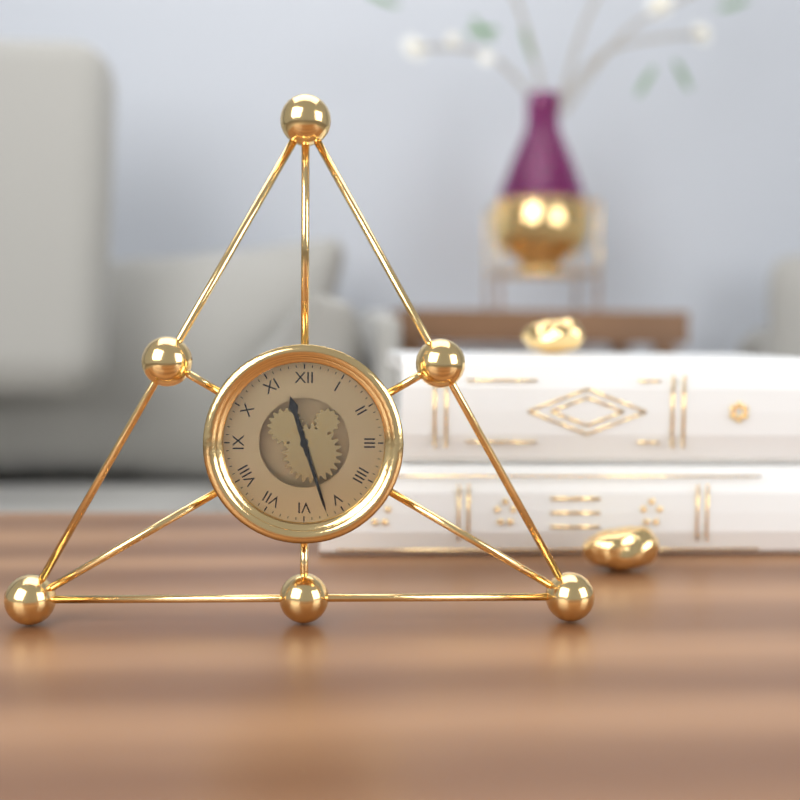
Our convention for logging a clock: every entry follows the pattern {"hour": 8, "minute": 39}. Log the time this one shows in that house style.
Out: {"hour": 11, "minute": 27}
